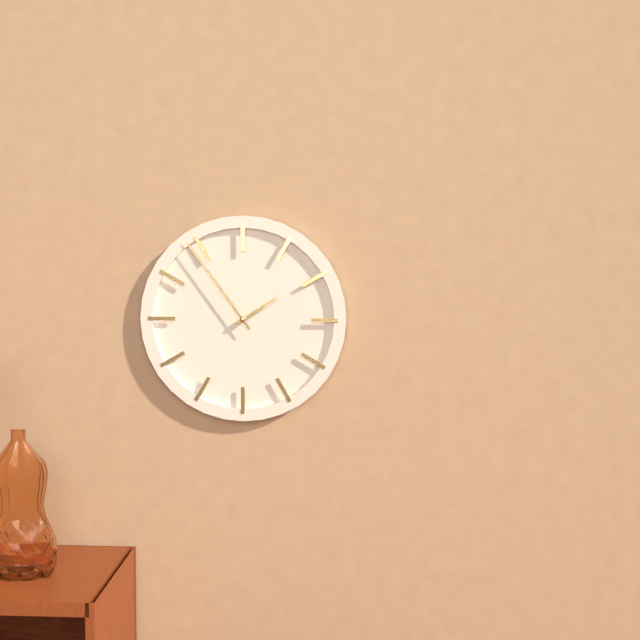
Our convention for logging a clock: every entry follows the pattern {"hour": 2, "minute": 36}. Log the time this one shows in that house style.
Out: {"hour": 1, "minute": 54}
